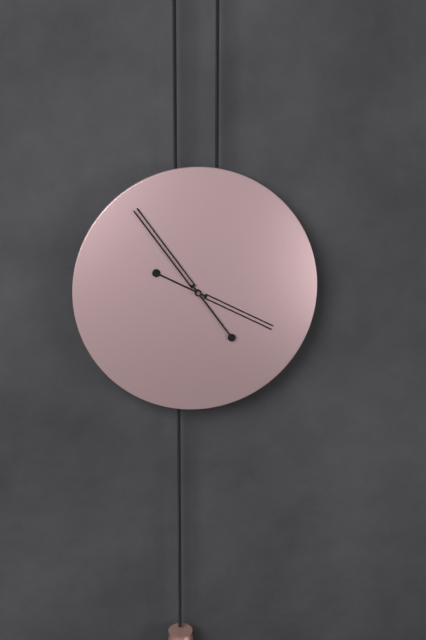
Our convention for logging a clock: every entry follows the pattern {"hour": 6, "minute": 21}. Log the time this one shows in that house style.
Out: {"hour": 3, "minute": 54}
